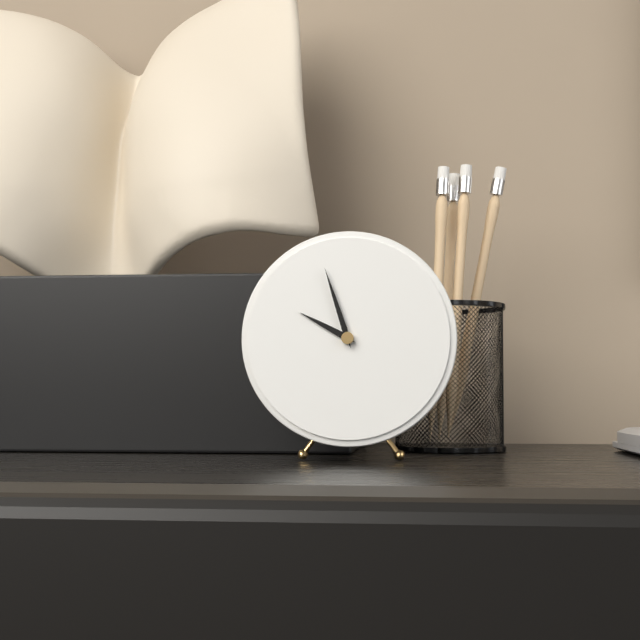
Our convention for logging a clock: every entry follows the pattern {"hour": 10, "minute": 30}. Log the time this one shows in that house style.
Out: {"hour": 9, "minute": 57}
